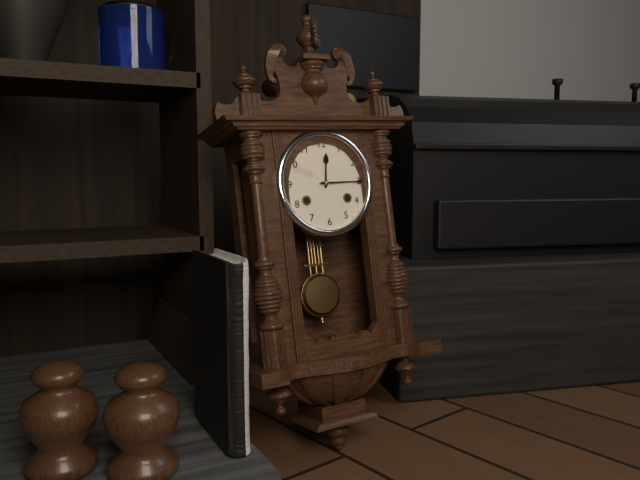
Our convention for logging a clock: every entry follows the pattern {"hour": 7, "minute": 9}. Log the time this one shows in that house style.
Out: {"hour": 12, "minute": 15}
